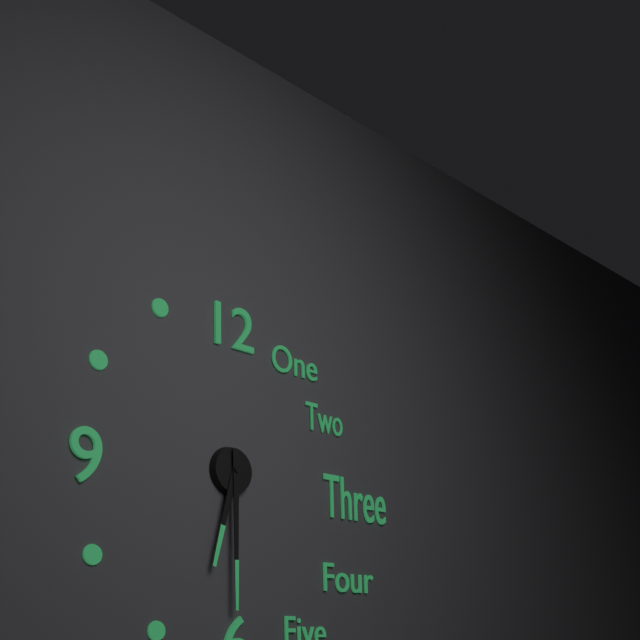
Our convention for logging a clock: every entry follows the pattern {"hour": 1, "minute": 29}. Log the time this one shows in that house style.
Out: {"hour": 6, "minute": 30}
